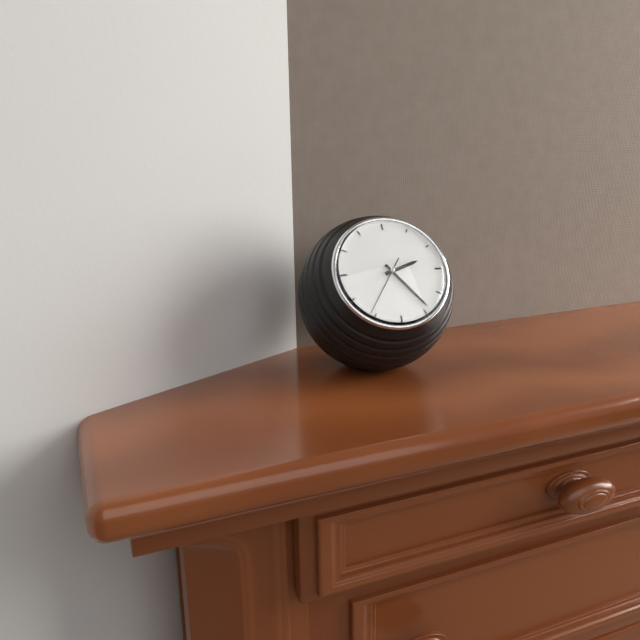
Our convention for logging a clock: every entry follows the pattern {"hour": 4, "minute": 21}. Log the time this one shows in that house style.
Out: {"hour": 2, "minute": 24}
